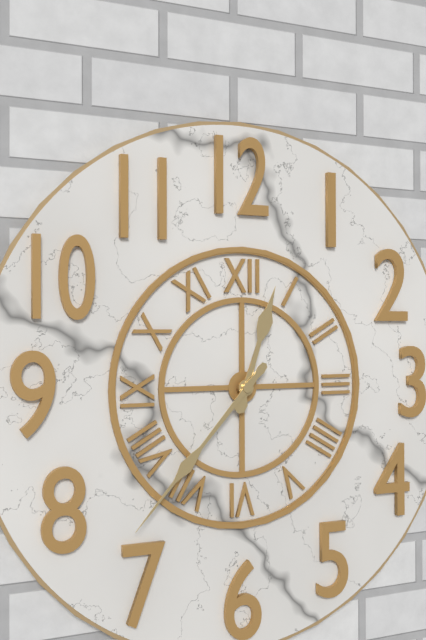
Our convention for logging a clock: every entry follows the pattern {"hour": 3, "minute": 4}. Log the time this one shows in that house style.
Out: {"hour": 12, "minute": 37}
